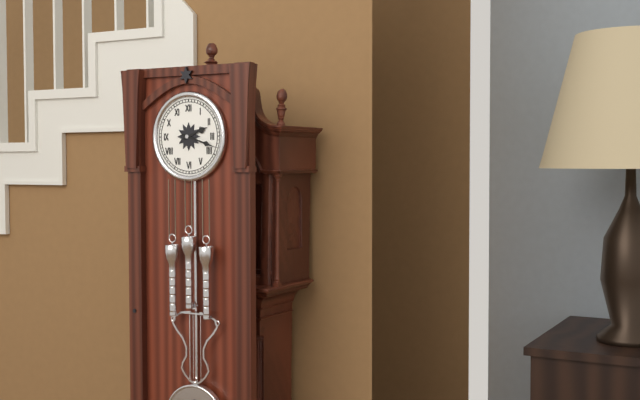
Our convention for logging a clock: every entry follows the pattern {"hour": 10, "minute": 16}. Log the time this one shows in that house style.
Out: {"hour": 2, "minute": 18}
